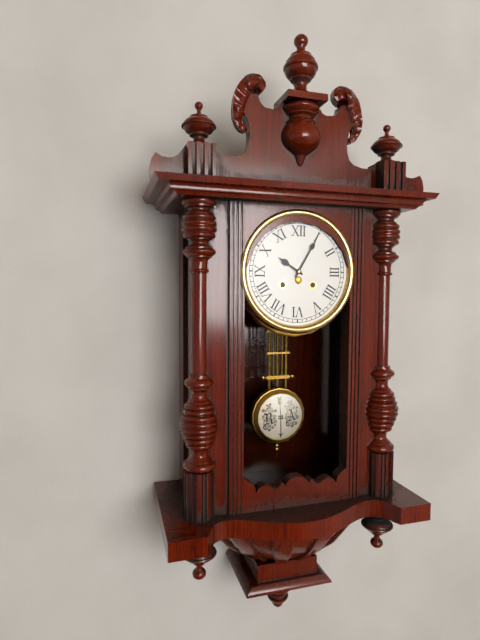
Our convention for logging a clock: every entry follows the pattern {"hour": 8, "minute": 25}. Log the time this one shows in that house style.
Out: {"hour": 10, "minute": 5}
